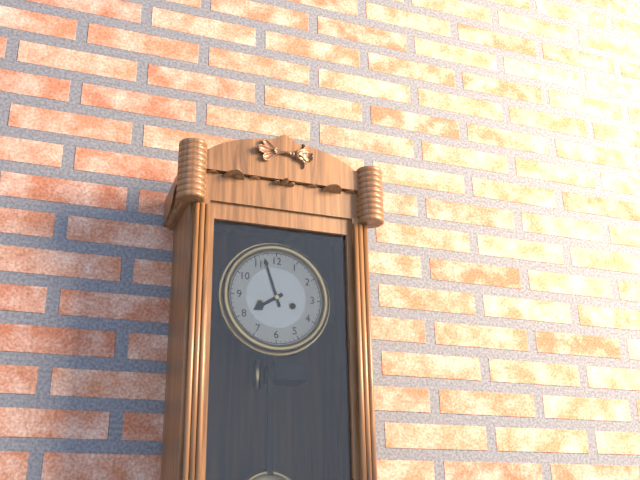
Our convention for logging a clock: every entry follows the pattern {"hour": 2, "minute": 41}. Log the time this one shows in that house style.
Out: {"hour": 7, "minute": 57}
